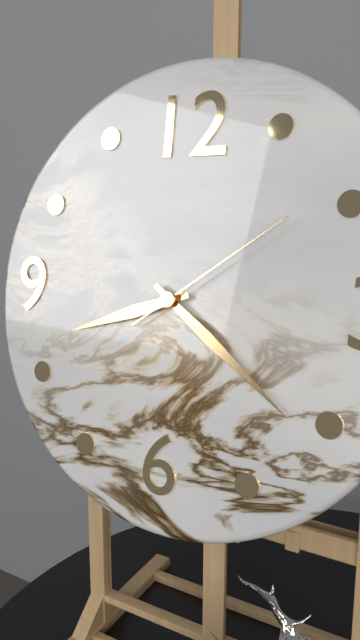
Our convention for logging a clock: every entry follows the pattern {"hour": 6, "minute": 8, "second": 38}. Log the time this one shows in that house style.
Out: {"hour": 8, "minute": 21, "second": 9}
